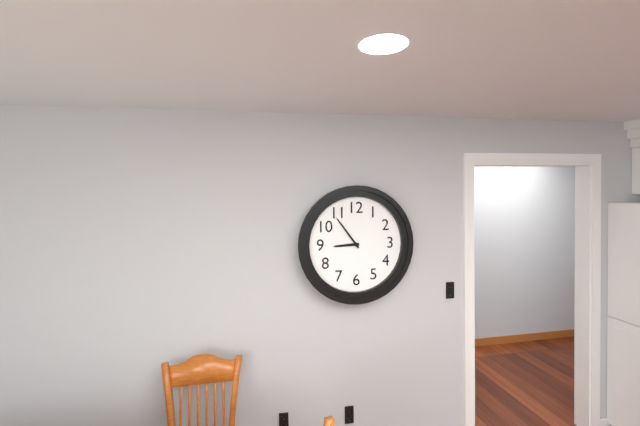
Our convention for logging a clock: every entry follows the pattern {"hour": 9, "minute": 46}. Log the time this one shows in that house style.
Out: {"hour": 8, "minute": 54}
